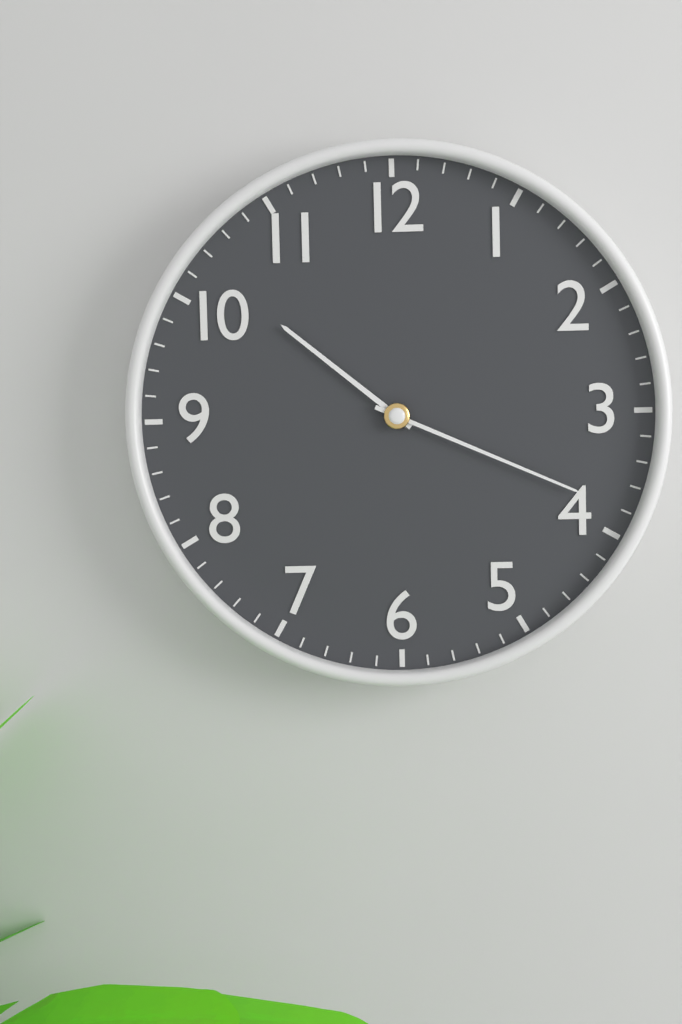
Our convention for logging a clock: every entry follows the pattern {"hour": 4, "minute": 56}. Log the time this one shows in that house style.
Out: {"hour": 10, "minute": 19}
